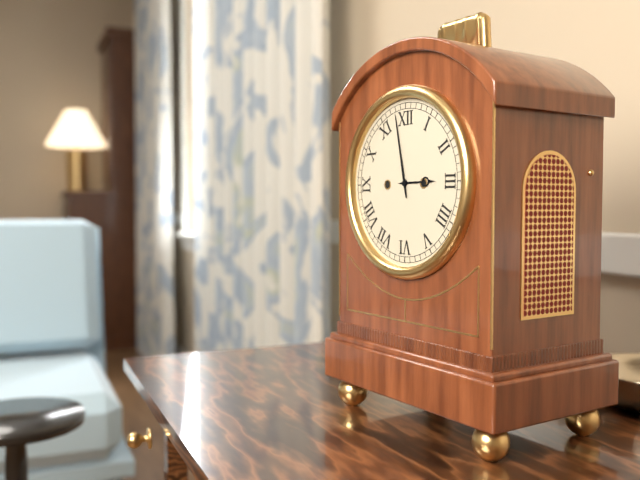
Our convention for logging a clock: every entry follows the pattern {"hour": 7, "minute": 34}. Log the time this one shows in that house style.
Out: {"hour": 2, "minute": 58}
